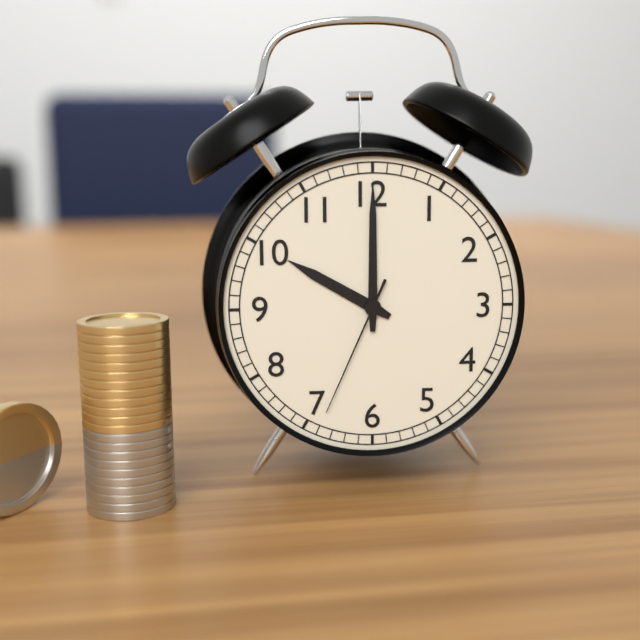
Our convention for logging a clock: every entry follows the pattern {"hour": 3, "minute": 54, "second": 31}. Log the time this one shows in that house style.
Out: {"hour": 10, "minute": 0, "second": 34}
